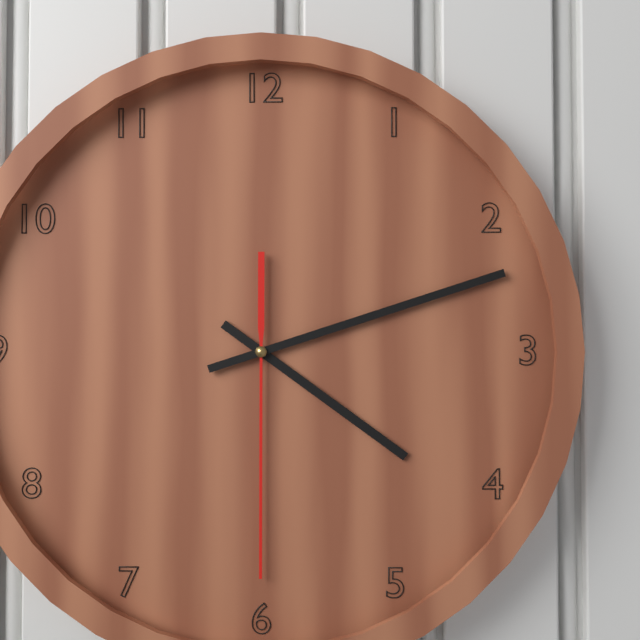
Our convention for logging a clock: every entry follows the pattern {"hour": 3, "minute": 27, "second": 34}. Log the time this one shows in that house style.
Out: {"hour": 4, "minute": 12, "second": 30}
